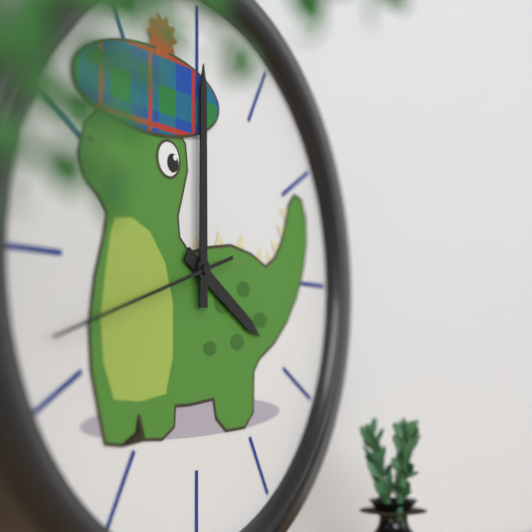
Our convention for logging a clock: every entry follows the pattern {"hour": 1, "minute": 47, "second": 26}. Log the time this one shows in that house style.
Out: {"hour": 4, "minute": 0, "second": 42}
